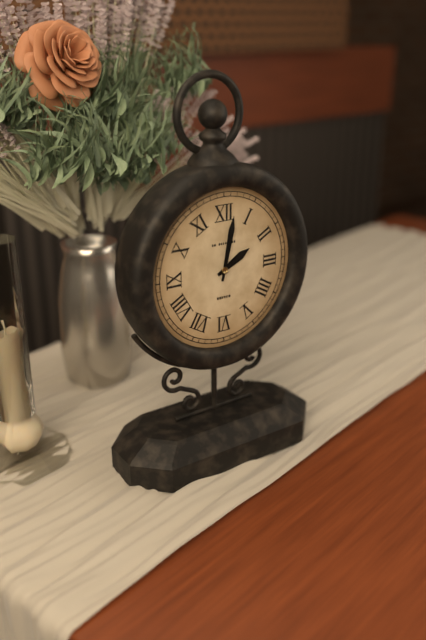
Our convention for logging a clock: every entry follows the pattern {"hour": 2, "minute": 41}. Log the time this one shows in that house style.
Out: {"hour": 2, "minute": 2}
